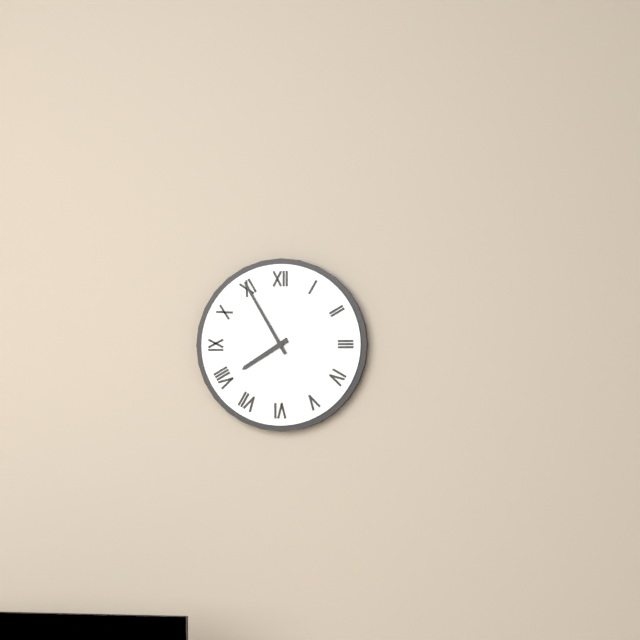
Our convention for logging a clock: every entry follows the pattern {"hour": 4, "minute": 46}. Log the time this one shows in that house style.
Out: {"hour": 7, "minute": 55}
